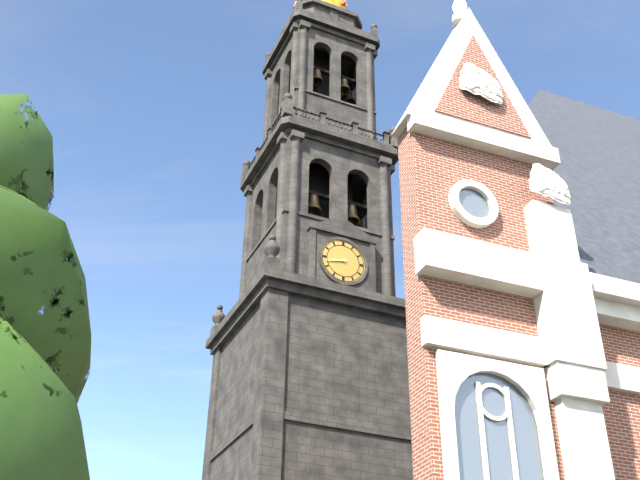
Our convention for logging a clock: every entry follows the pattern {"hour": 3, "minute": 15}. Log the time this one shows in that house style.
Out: {"hour": 8, "minute": 43}
